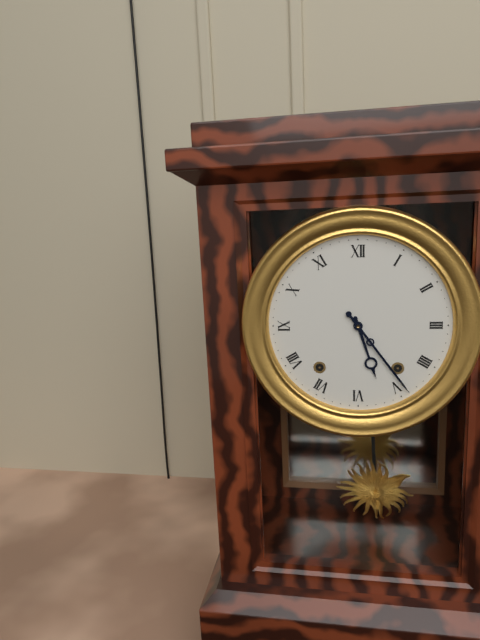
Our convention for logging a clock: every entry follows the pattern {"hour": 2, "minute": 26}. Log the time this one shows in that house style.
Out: {"hour": 5, "minute": 24}
